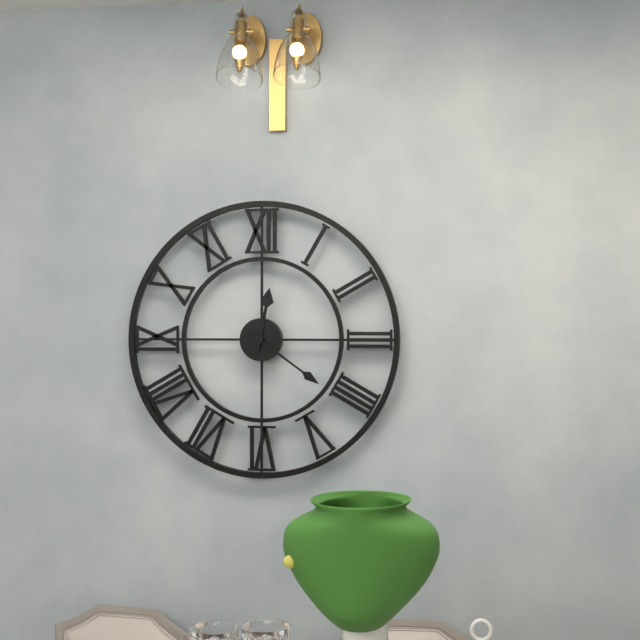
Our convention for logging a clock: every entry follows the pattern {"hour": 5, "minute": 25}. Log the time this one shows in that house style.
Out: {"hour": 12, "minute": 21}
